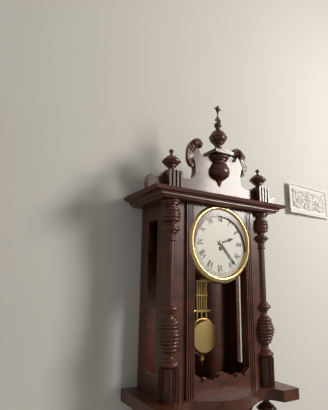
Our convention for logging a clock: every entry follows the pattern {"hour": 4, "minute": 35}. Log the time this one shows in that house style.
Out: {"hour": 2, "minute": 23}
